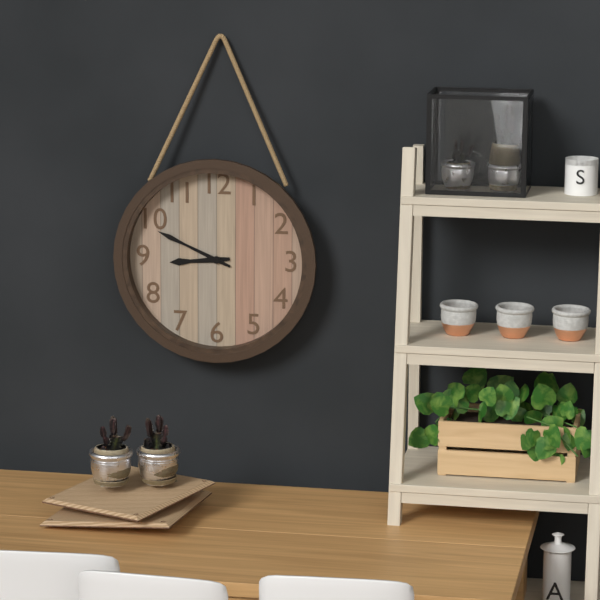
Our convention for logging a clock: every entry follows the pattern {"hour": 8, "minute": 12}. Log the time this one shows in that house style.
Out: {"hour": 8, "minute": 49}
